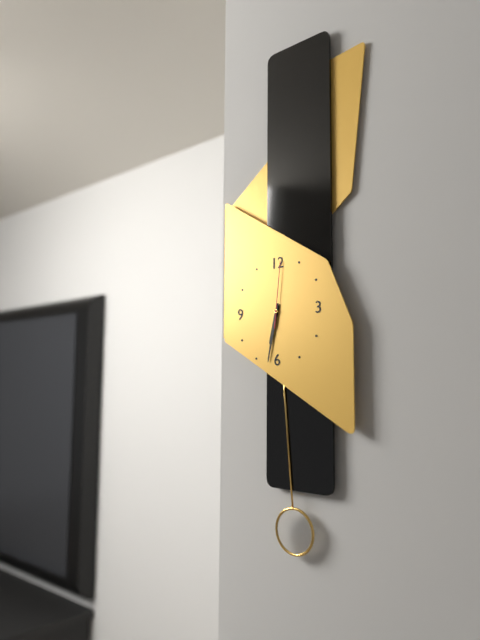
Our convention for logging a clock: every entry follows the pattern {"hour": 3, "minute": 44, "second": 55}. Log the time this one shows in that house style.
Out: {"hour": 6, "minute": 32, "second": 1}
